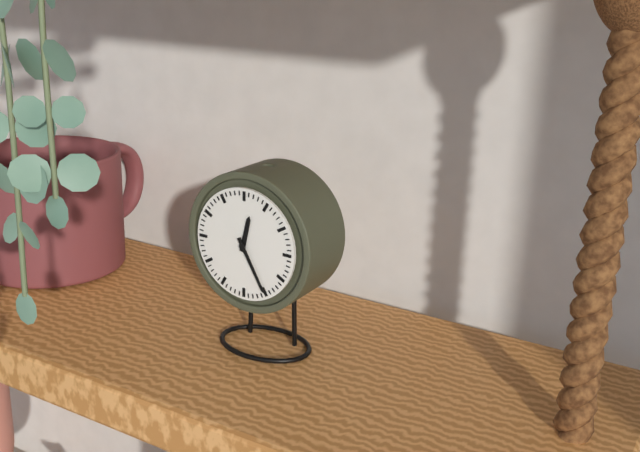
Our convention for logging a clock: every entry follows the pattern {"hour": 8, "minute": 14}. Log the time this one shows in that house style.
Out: {"hour": 12, "minute": 25}
